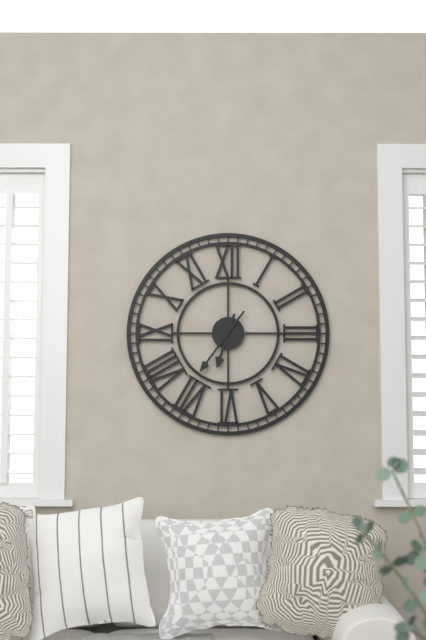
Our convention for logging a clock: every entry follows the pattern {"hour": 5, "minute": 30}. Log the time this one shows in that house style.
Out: {"hour": 6, "minute": 36}
